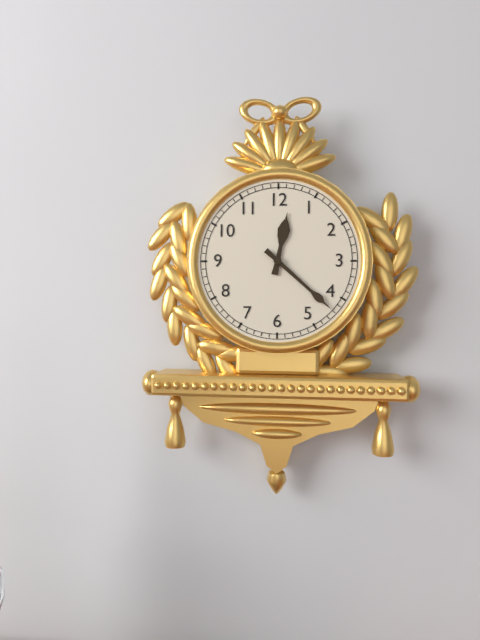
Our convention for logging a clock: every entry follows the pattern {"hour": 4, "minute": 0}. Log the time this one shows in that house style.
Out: {"hour": 12, "minute": 22}
